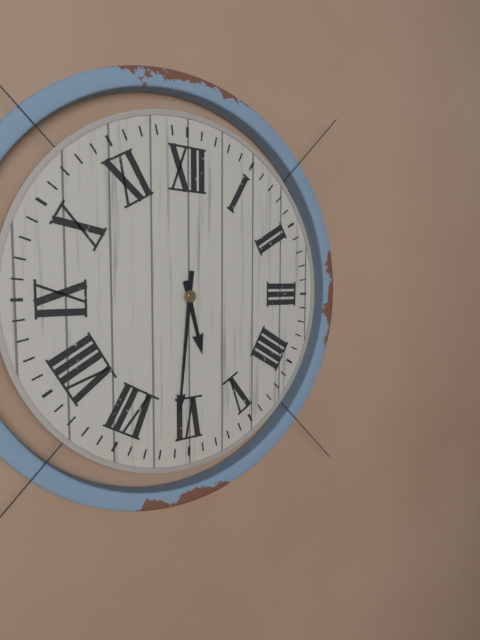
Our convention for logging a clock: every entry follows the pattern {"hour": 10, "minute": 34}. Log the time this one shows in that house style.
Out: {"hour": 5, "minute": 31}
